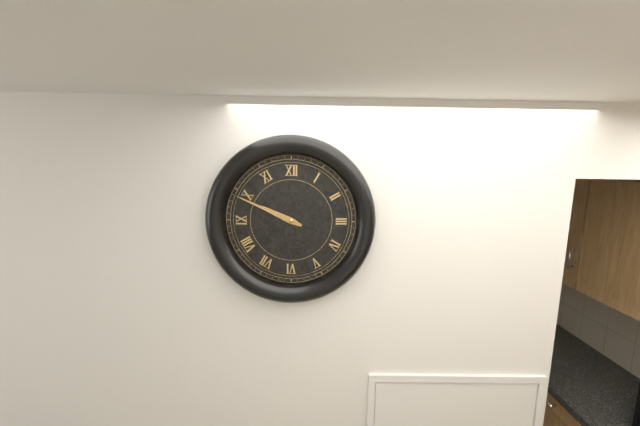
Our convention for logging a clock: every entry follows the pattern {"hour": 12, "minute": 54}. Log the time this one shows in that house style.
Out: {"hour": 9, "minute": 49}
